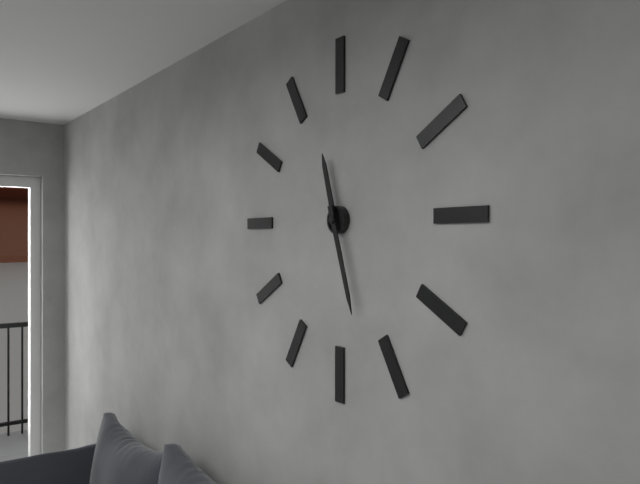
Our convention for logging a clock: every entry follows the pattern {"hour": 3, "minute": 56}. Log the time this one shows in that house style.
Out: {"hour": 11, "minute": 27}
